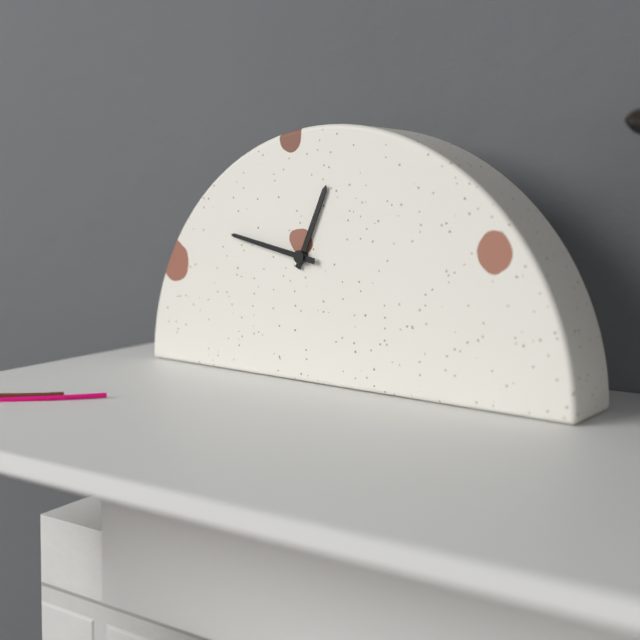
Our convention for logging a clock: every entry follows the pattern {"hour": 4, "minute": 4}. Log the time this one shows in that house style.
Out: {"hour": 12, "minute": 47}
